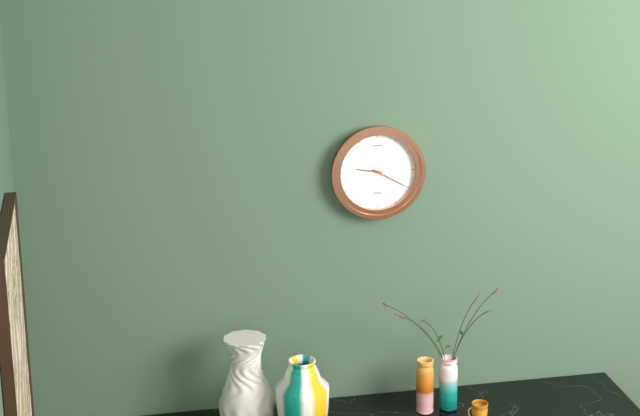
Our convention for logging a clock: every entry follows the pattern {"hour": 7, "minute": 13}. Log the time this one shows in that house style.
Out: {"hour": 9, "minute": 20}
